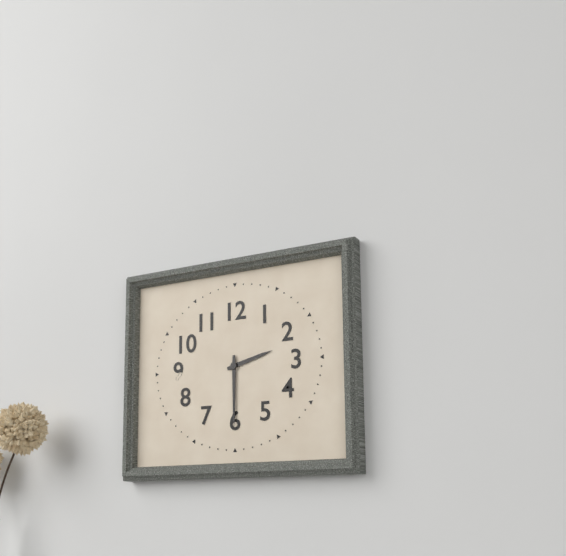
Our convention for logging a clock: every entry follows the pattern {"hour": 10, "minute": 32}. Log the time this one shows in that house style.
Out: {"hour": 2, "minute": 30}
